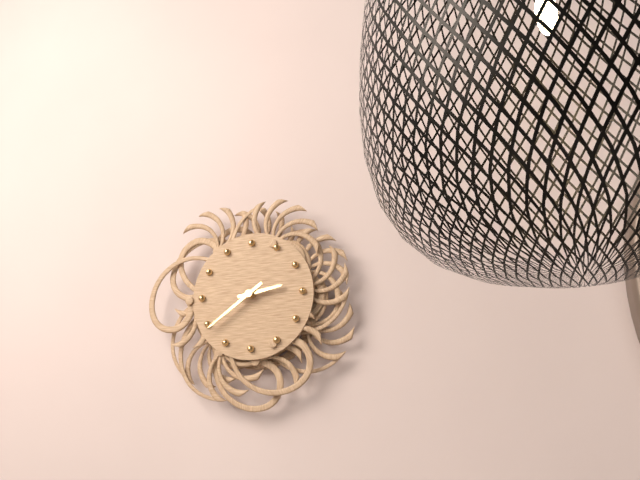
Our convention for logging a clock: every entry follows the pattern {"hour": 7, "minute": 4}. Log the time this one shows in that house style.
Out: {"hour": 2, "minute": 39}
